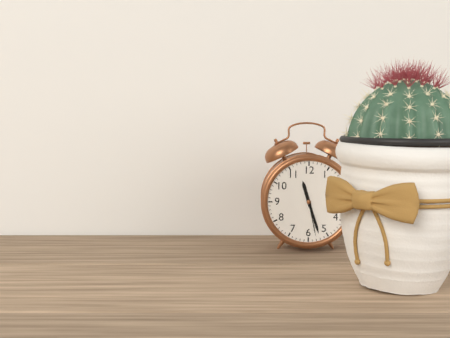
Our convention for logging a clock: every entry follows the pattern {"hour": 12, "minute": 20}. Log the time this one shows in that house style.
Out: {"hour": 11, "minute": 27}
